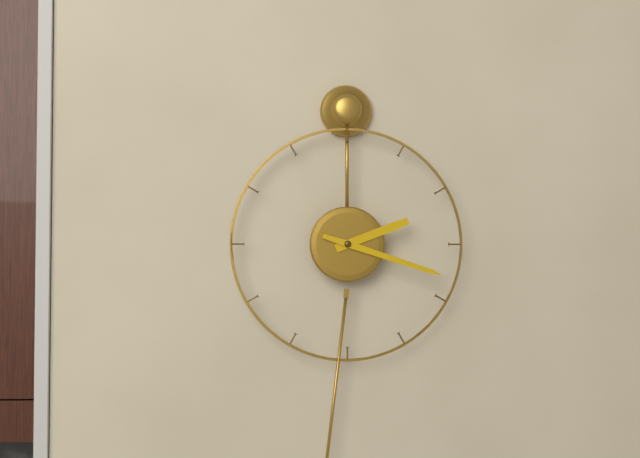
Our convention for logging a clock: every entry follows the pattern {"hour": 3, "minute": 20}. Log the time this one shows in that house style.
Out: {"hour": 2, "minute": 18}
